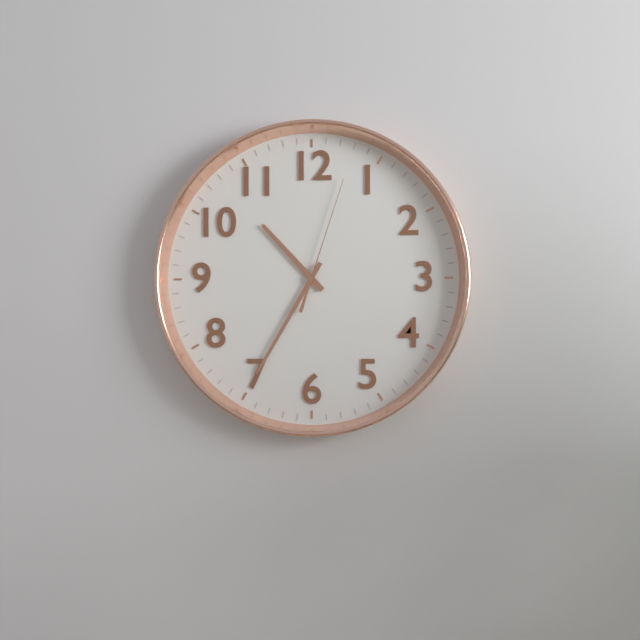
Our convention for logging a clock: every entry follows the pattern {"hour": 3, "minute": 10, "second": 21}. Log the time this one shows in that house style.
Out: {"hour": 10, "minute": 35, "second": 3}
